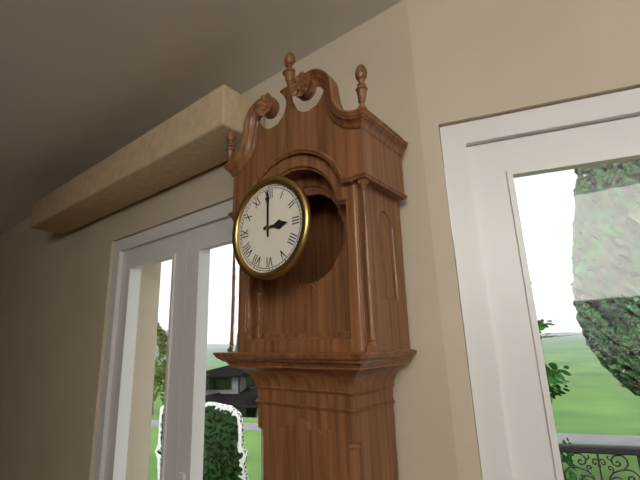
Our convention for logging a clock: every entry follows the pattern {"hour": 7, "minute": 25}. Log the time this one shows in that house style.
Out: {"hour": 3, "minute": 0}
